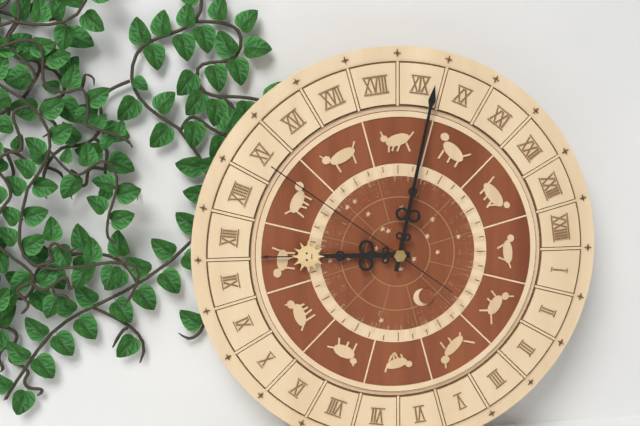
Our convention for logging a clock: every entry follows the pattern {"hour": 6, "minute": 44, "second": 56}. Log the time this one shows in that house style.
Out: {"hour": 9, "minute": 2, "second": 51}
